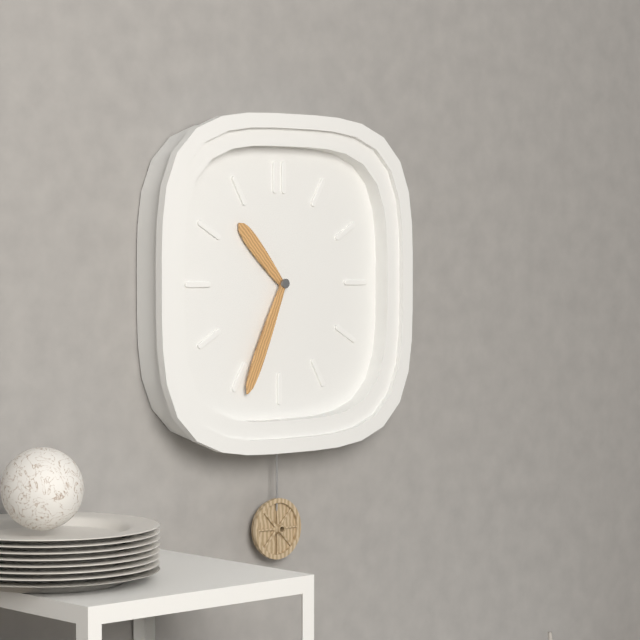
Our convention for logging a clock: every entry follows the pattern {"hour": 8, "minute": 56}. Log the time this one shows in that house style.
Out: {"hour": 10, "minute": 34}
